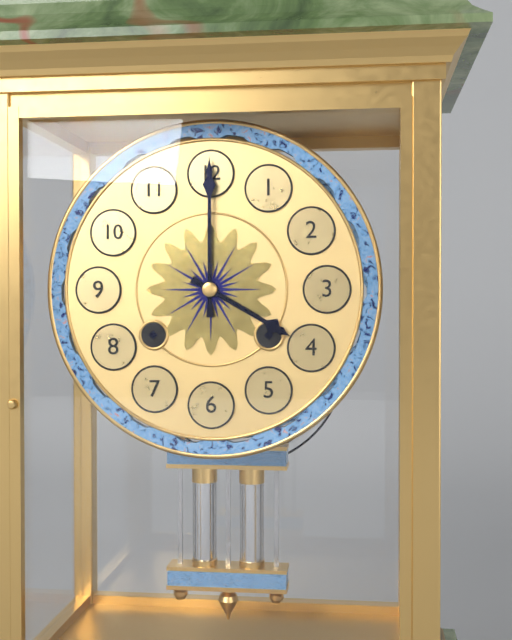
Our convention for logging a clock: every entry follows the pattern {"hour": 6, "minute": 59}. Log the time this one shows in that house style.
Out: {"hour": 4, "minute": 0}
